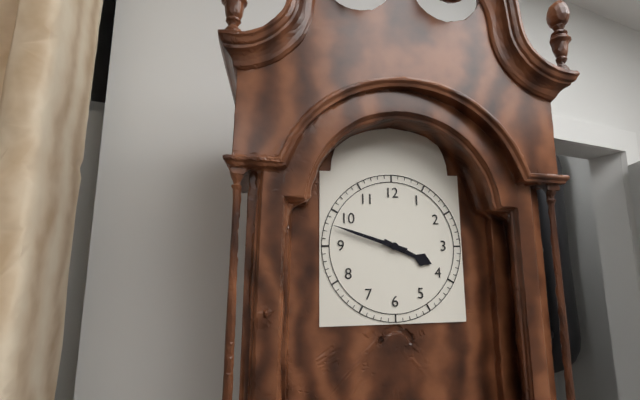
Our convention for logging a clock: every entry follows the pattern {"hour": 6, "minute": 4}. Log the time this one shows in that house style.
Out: {"hour": 3, "minute": 48}
